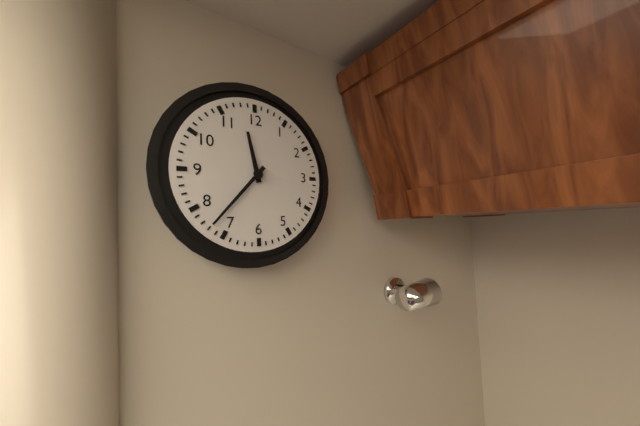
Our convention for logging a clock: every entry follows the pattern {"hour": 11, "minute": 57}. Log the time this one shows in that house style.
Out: {"hour": 11, "minute": 37}
